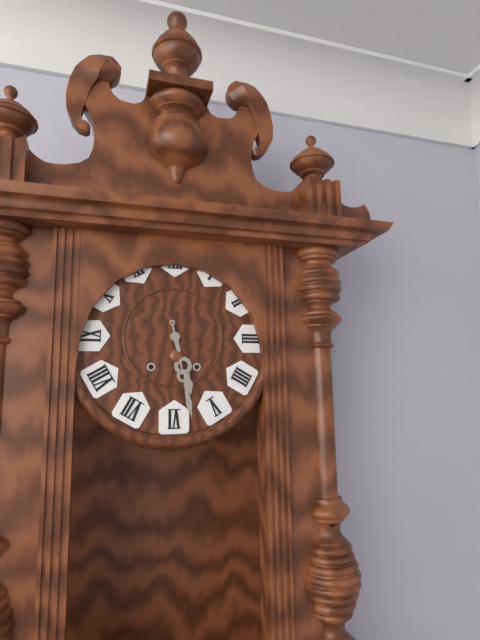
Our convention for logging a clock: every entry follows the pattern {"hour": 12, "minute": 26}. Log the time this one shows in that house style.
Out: {"hour": 5, "minute": 28}
